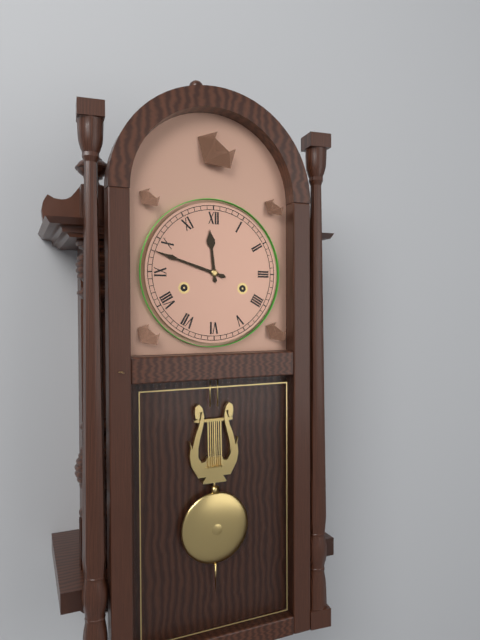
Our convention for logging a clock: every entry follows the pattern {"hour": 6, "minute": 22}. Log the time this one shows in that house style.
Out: {"hour": 11, "minute": 48}
